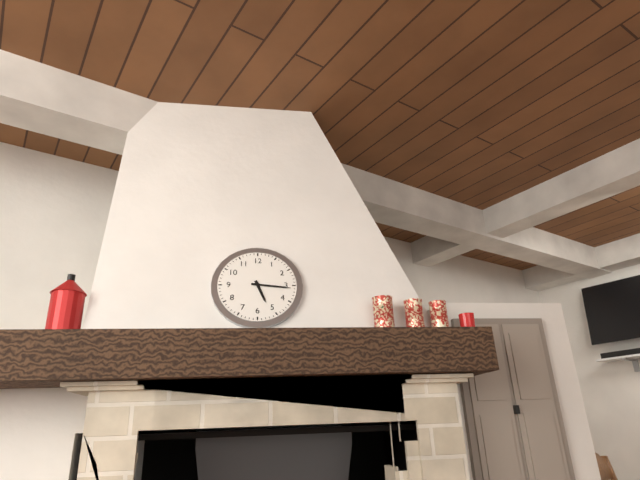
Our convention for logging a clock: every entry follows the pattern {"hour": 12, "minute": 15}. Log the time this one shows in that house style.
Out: {"hour": 5, "minute": 16}
